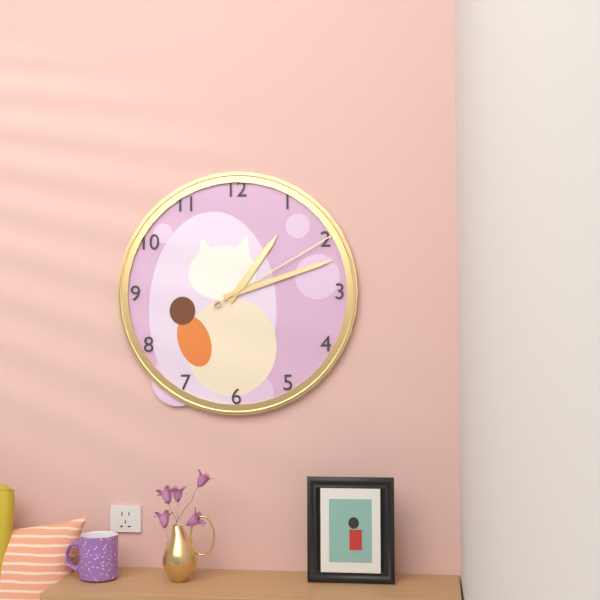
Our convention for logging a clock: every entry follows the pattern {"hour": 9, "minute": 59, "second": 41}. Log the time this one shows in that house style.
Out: {"hour": 1, "minute": 12, "second": 10}
